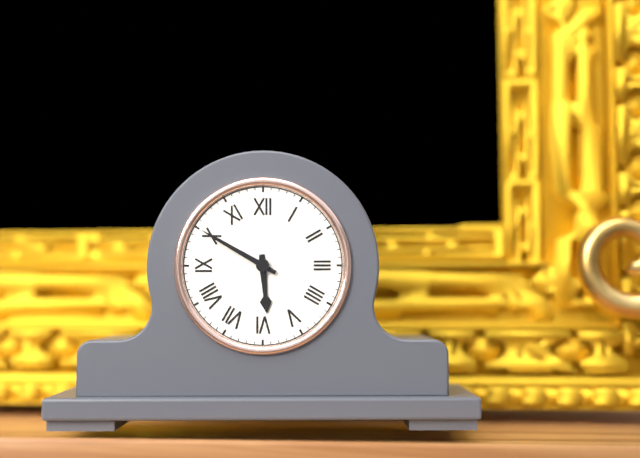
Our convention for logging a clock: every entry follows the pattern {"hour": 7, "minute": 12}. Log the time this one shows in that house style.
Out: {"hour": 5, "minute": 50}
